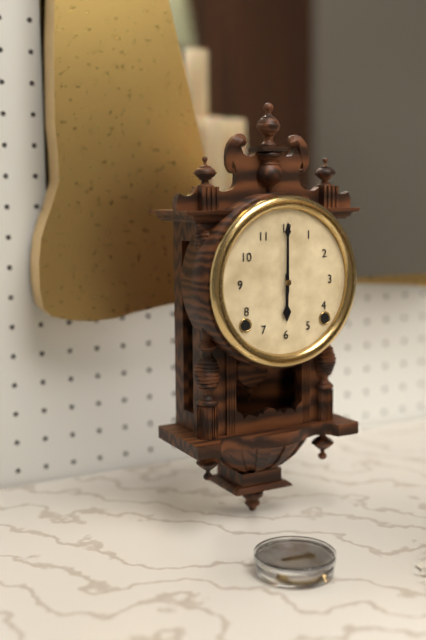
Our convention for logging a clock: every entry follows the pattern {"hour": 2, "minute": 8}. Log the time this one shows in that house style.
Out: {"hour": 6, "minute": 0}
